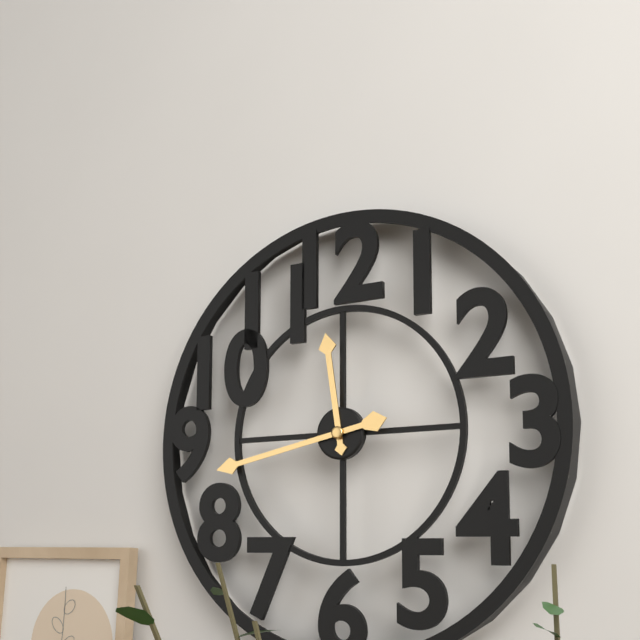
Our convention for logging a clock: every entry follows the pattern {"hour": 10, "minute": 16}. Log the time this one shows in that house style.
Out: {"hour": 11, "minute": 43}
